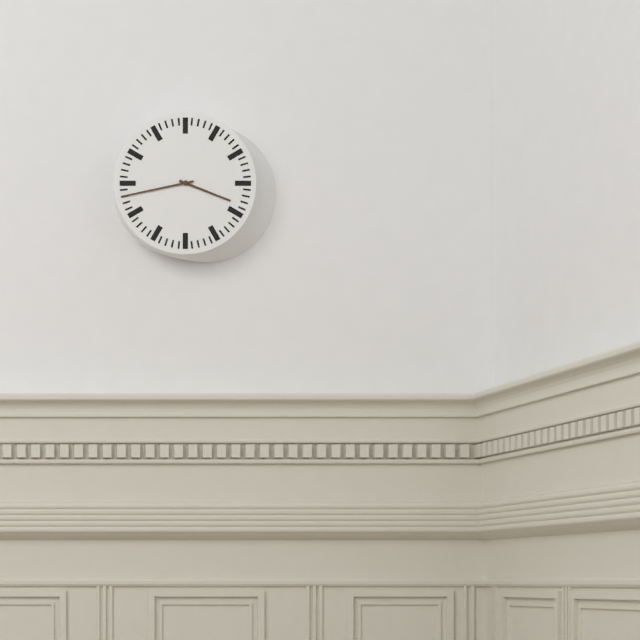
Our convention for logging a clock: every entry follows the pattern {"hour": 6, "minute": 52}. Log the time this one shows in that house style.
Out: {"hour": 3, "minute": 43}
